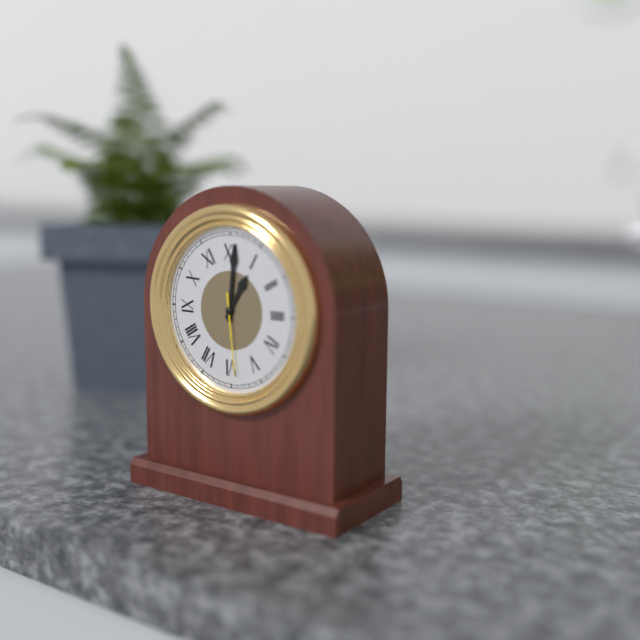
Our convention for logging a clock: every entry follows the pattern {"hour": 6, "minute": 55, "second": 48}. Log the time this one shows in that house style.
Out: {"hour": 1, "minute": 1, "second": 29}
